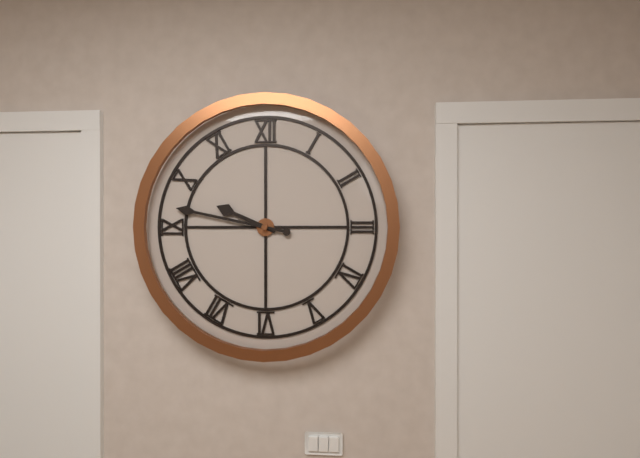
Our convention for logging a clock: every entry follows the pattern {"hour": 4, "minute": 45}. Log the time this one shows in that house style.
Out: {"hour": 9, "minute": 47}
